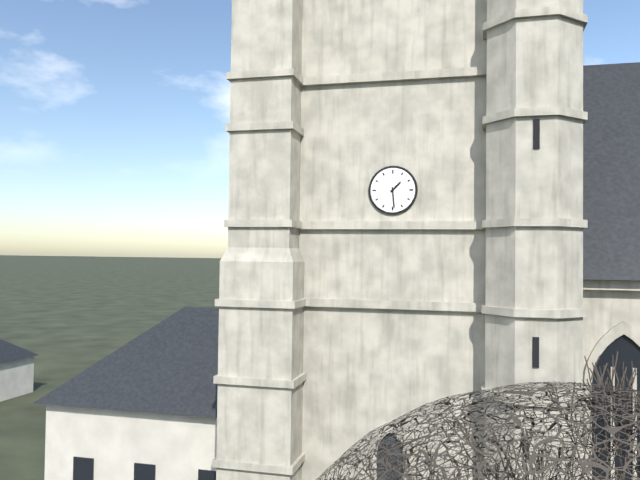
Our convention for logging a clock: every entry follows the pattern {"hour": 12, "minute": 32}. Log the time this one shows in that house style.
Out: {"hour": 1, "minute": 29}
